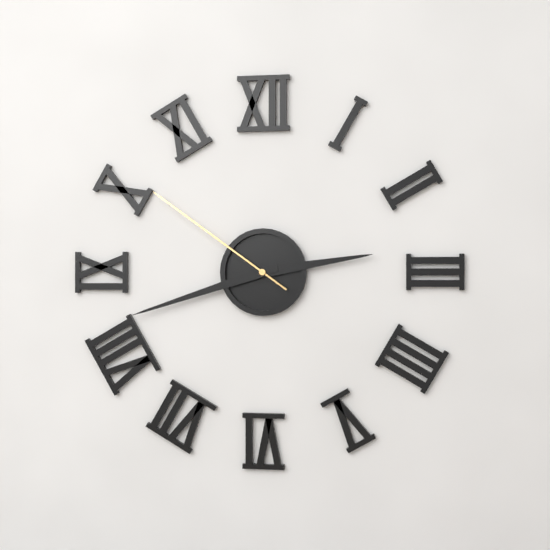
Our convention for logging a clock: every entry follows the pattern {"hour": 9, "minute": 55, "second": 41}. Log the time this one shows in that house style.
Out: {"hour": 2, "minute": 42, "second": 51}
